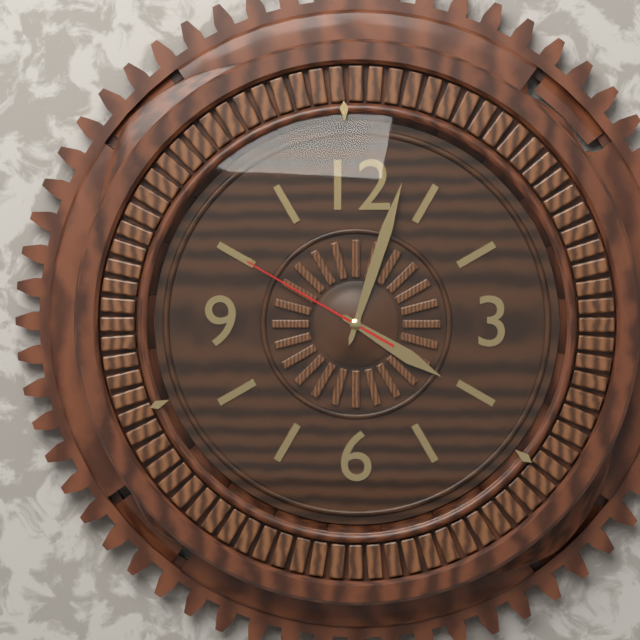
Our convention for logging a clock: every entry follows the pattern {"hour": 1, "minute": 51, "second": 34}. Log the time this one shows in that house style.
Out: {"hour": 4, "minute": 3, "second": 50}
